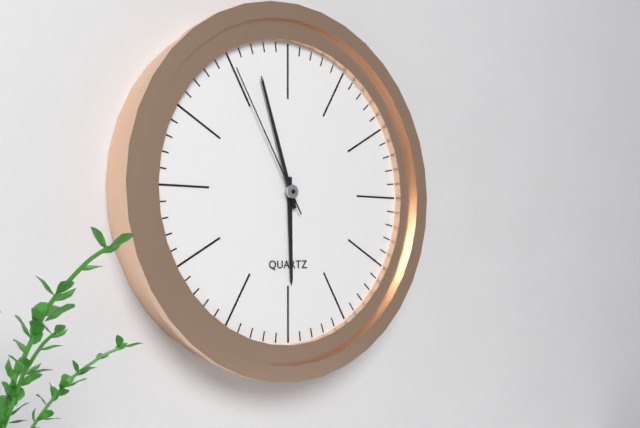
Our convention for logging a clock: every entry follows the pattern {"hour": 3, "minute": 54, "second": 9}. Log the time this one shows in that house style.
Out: {"hour": 5, "minute": 57, "second": 55}
